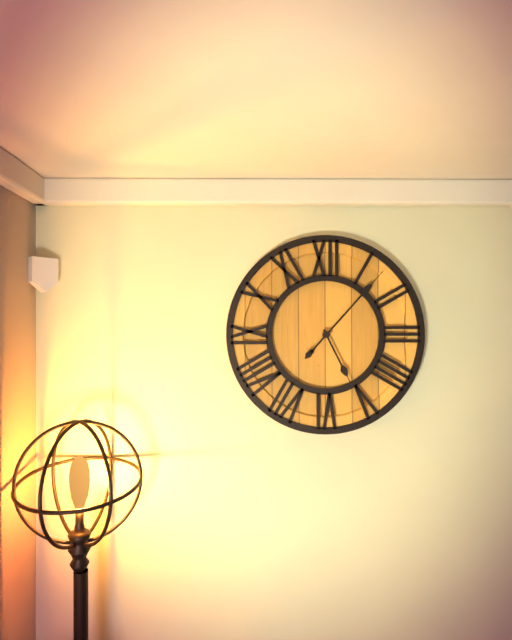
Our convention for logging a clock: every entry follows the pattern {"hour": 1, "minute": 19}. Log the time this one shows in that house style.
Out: {"hour": 5, "minute": 7}
